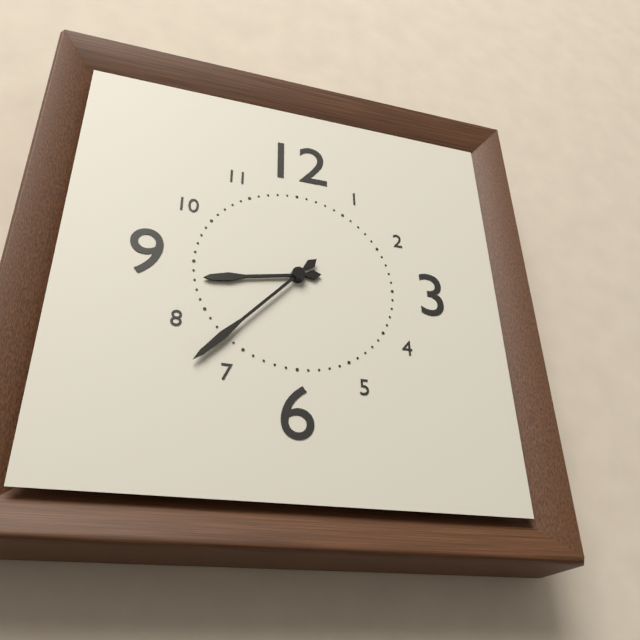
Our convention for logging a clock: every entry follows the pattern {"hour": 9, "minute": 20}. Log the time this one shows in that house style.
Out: {"hour": 8, "minute": 37}
